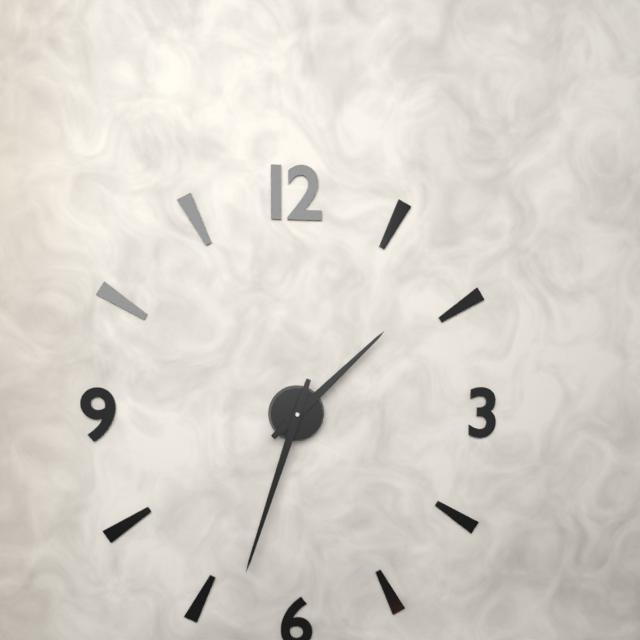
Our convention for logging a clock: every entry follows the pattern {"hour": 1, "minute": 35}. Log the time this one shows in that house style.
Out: {"hour": 1, "minute": 33}
